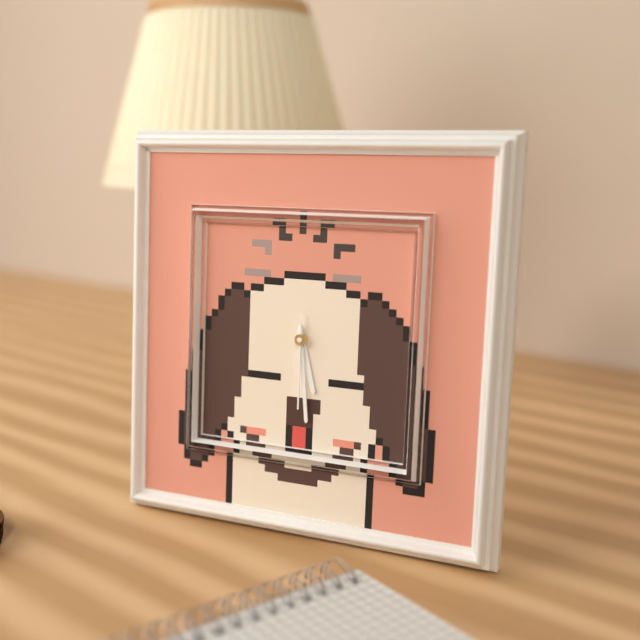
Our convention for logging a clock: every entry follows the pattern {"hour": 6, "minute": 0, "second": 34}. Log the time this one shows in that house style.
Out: {"hour": 5, "minute": 29, "second": 30}
